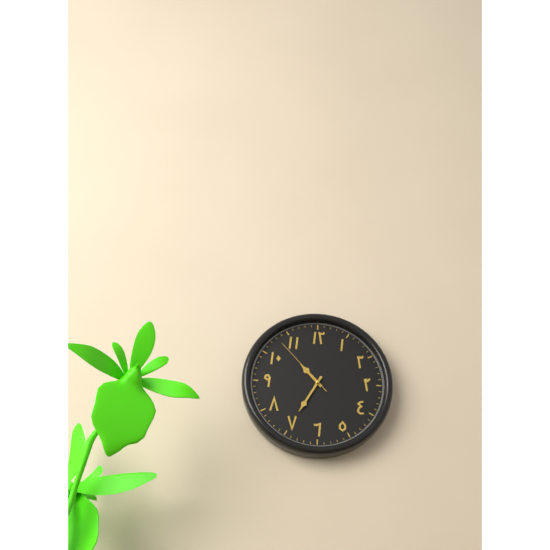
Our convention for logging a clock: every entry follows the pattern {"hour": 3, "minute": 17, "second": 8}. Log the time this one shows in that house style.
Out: {"hour": 10, "minute": 35, "second": 53}
